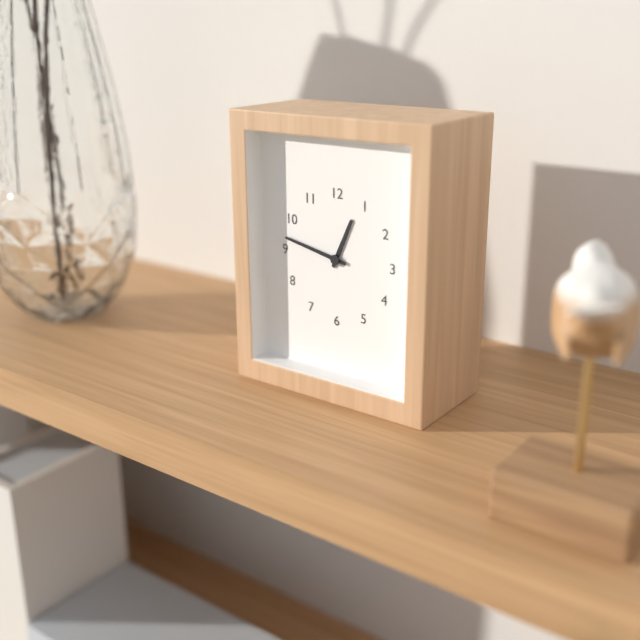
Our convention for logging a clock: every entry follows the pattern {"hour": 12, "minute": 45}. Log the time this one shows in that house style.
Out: {"hour": 12, "minute": 47}
